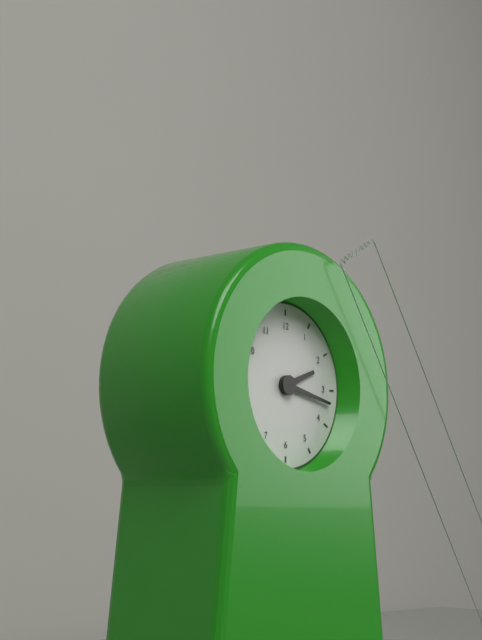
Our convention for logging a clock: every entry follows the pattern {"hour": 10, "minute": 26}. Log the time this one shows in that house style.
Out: {"hour": 2, "minute": 17}
